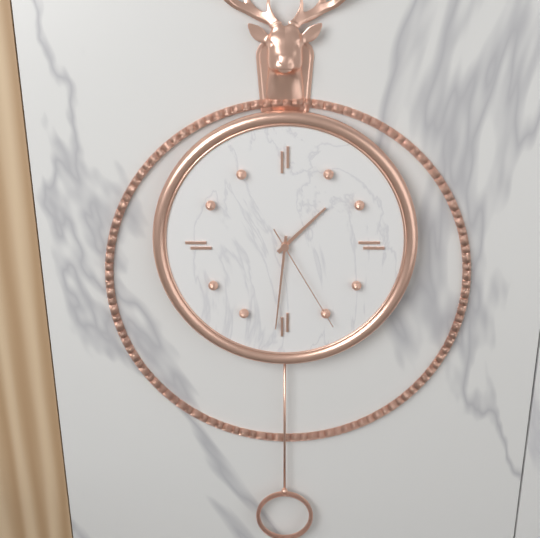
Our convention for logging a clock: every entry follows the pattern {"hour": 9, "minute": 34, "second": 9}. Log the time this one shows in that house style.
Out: {"hour": 1, "minute": 31, "second": 25}
